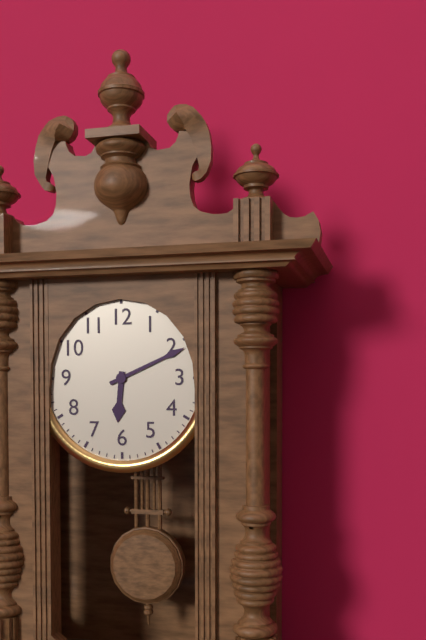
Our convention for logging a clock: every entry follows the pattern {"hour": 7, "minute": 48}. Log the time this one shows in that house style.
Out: {"hour": 6, "minute": 11}
